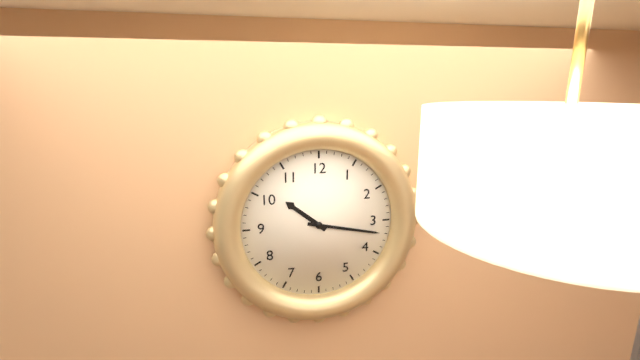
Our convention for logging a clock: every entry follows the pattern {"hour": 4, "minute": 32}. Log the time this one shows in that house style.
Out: {"hour": 10, "minute": 17}
